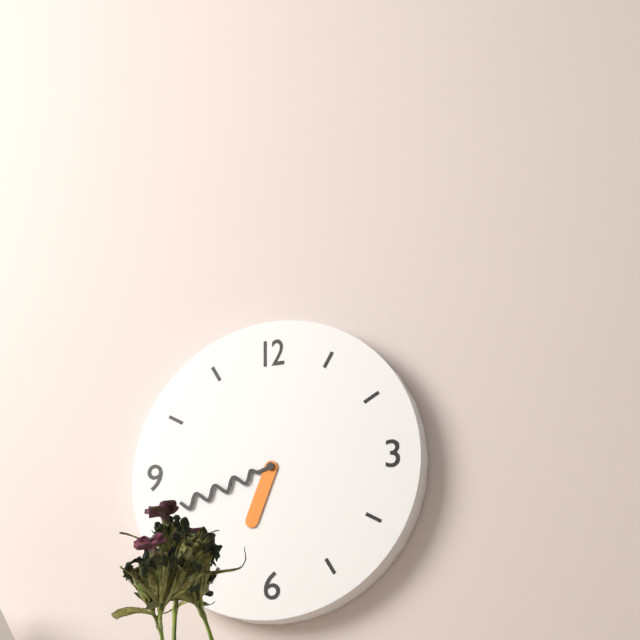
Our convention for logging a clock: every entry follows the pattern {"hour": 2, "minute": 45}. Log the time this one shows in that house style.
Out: {"hour": 6, "minute": 42}
